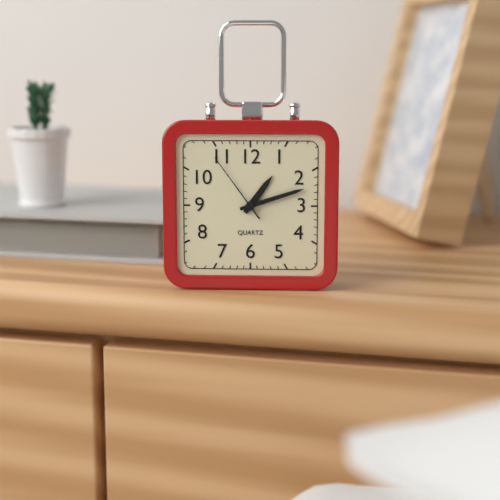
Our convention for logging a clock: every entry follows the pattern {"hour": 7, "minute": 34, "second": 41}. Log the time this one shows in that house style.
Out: {"hour": 1, "minute": 12, "second": 54}
